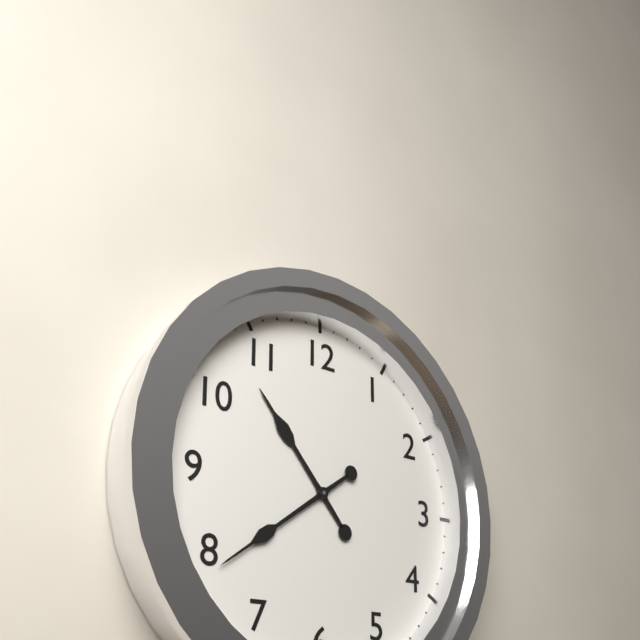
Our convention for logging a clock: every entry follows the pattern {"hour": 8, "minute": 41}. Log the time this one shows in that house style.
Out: {"hour": 10, "minute": 39}
